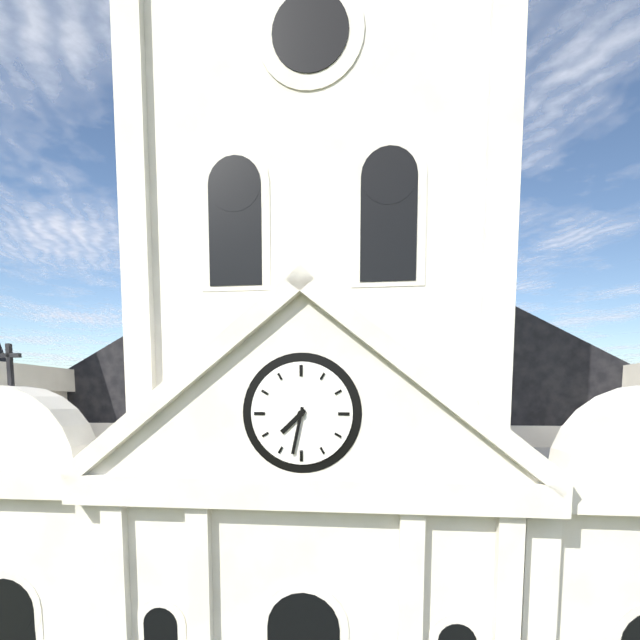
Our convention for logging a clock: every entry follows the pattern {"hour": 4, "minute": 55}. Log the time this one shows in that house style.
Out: {"hour": 7, "minute": 32}
